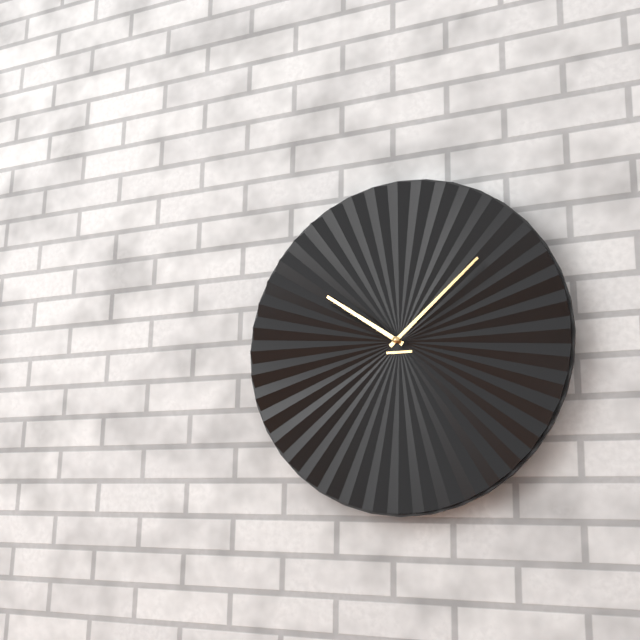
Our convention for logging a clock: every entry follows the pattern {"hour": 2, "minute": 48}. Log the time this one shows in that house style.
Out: {"hour": 10, "minute": 8}
